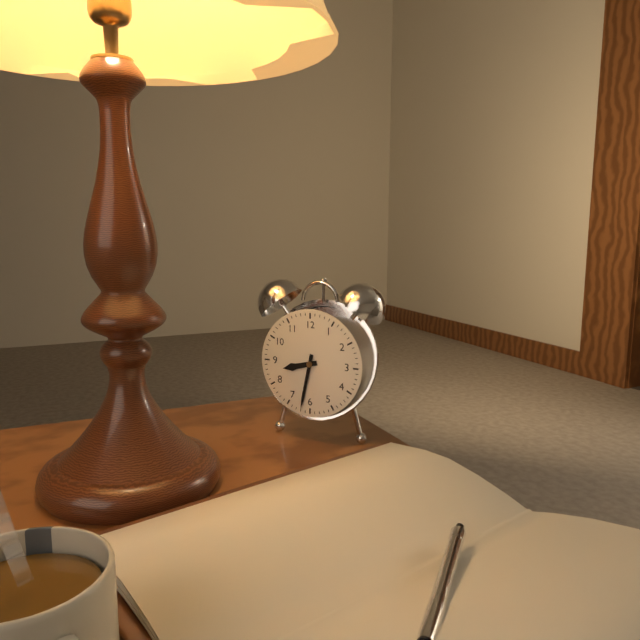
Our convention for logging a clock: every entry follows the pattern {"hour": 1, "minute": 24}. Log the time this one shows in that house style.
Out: {"hour": 8, "minute": 32}
